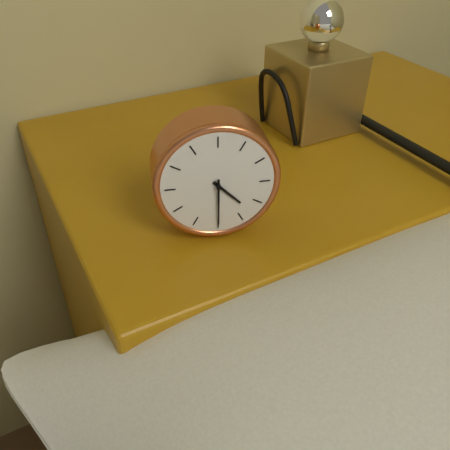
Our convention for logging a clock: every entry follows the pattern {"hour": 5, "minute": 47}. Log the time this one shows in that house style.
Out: {"hour": 4, "minute": 30}
